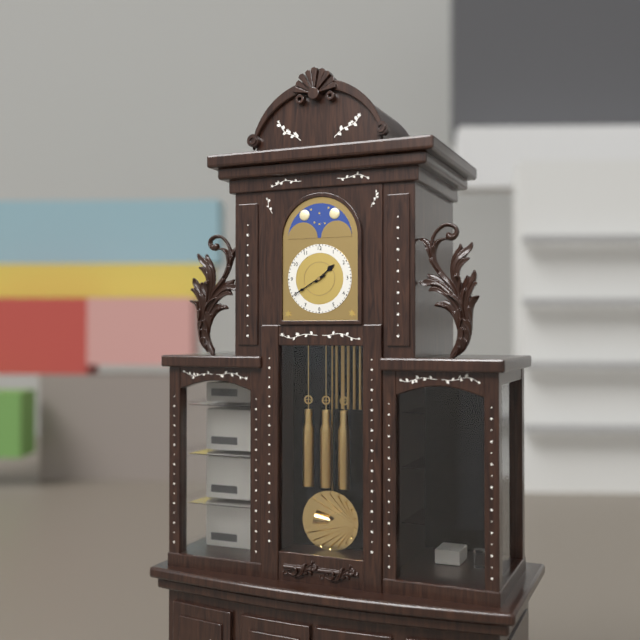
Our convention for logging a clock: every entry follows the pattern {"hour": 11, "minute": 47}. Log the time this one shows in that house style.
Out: {"hour": 1, "minute": 40}
